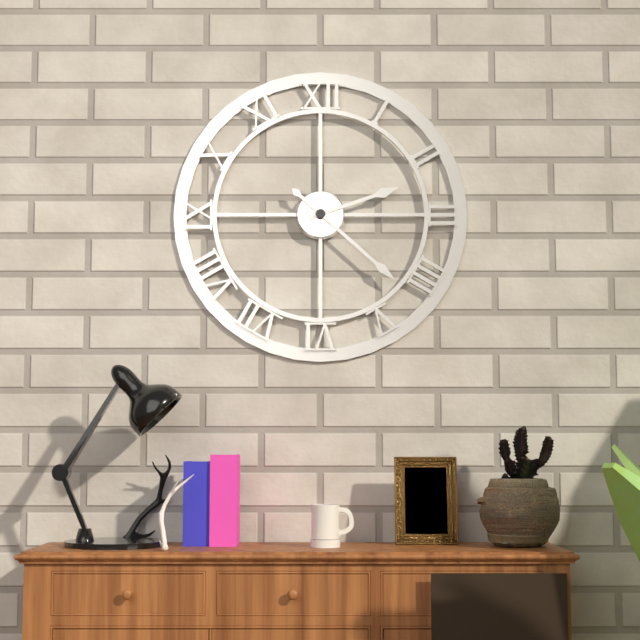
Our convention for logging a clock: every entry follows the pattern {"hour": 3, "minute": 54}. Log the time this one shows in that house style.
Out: {"hour": 2, "minute": 22}
